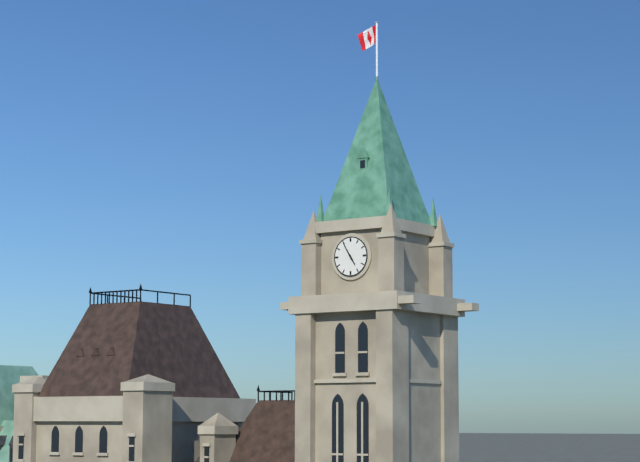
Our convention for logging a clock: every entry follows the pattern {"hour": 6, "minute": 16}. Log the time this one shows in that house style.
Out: {"hour": 4, "minute": 55}
